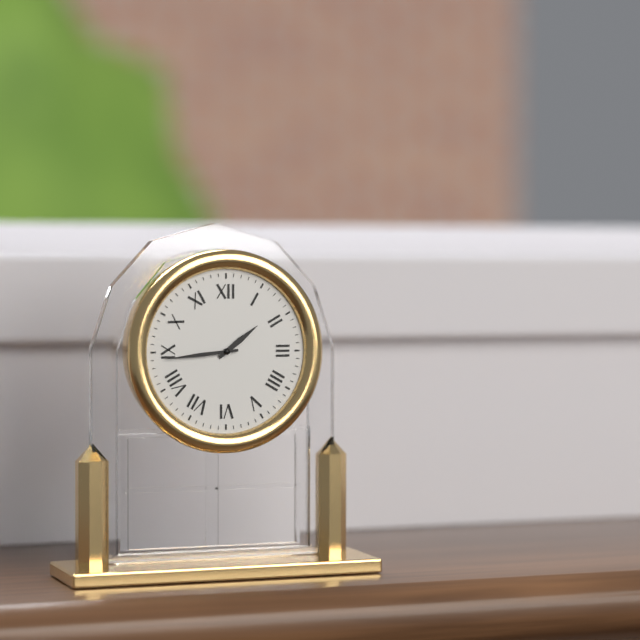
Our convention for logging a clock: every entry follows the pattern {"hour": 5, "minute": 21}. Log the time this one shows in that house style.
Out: {"hour": 1, "minute": 44}
